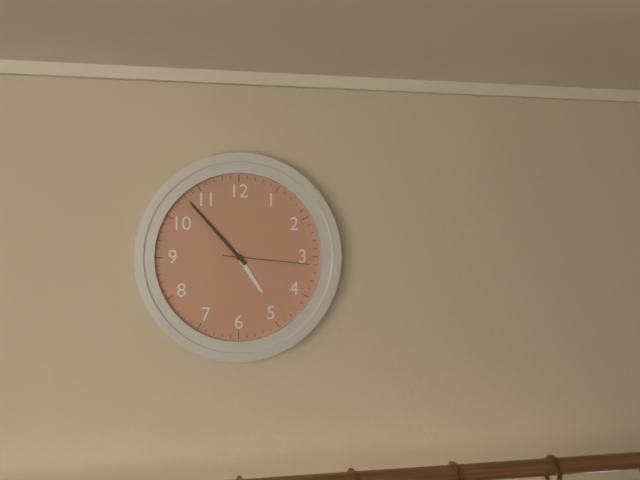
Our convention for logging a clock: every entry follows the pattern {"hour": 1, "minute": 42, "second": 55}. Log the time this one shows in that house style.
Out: {"hour": 4, "minute": 53, "second": 16}
